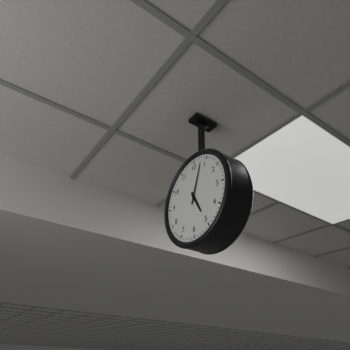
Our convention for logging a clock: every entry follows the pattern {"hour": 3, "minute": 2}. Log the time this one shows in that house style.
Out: {"hour": 5, "minute": 3}
